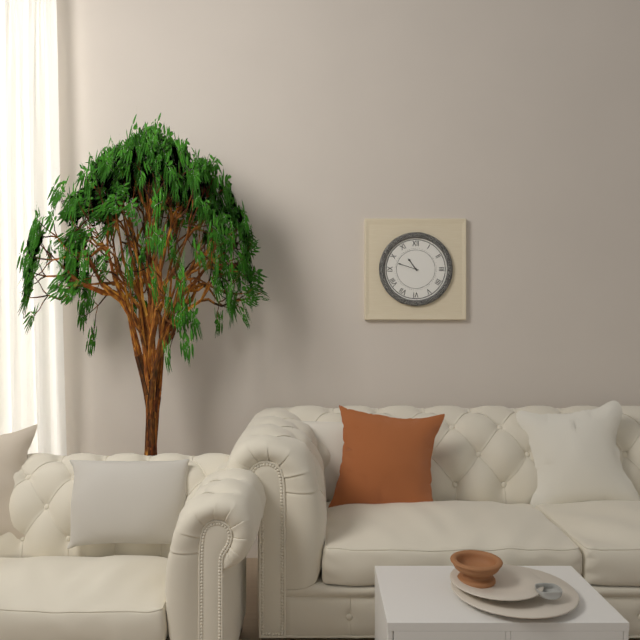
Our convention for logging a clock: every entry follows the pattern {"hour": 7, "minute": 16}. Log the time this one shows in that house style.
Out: {"hour": 10, "minute": 48}
